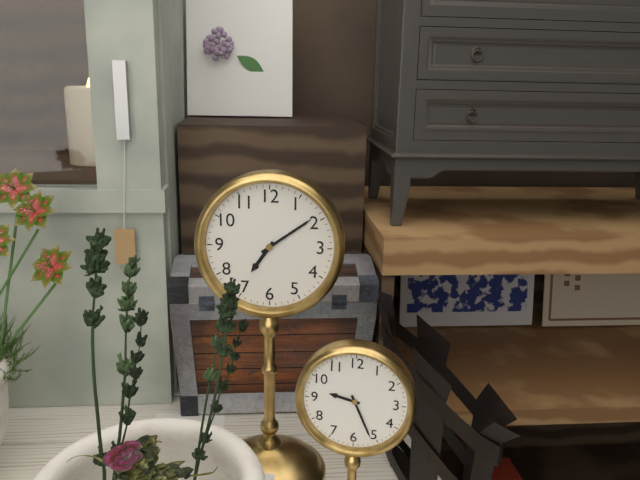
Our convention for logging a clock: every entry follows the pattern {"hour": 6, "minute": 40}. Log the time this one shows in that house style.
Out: {"hour": 7, "minute": 9}
